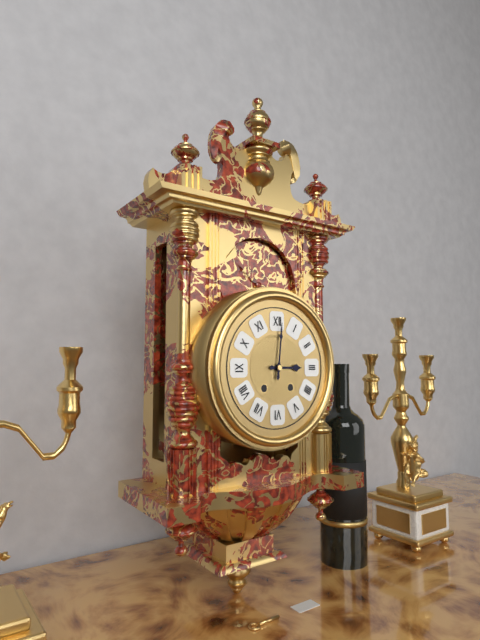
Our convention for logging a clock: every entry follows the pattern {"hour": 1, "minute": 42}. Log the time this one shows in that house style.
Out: {"hour": 3, "minute": 1}
